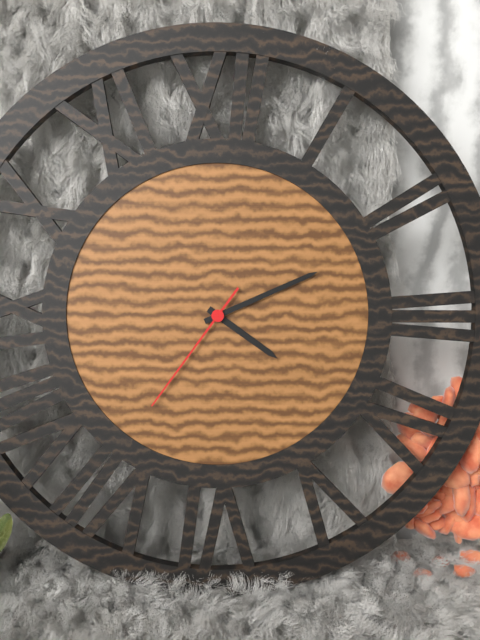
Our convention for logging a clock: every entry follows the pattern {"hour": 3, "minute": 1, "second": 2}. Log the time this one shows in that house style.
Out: {"hour": 4, "minute": 11, "second": 36}
